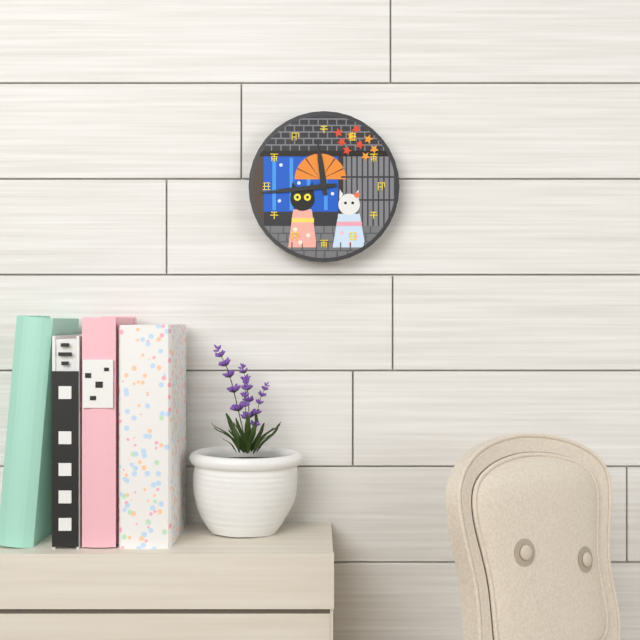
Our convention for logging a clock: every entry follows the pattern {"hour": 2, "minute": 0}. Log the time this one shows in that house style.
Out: {"hour": 11, "minute": 44}
